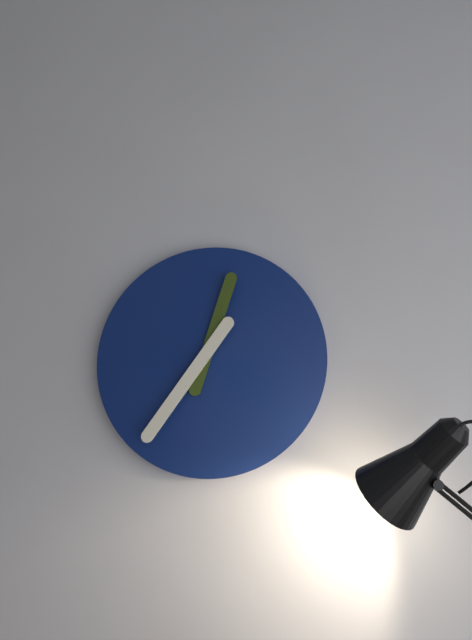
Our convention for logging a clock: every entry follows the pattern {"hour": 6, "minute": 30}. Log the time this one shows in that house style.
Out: {"hour": 12, "minute": 36}
